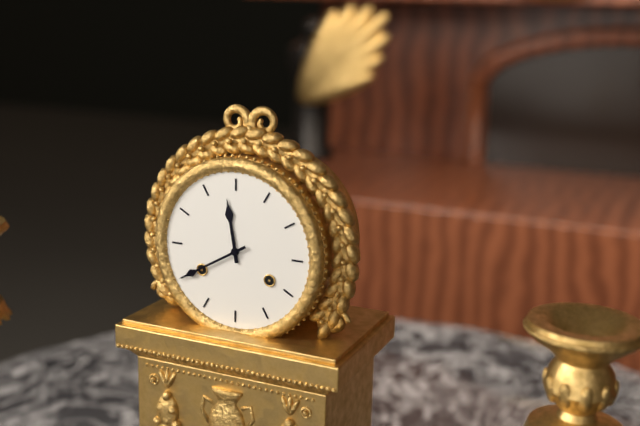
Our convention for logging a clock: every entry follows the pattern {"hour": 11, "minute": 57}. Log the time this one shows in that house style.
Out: {"hour": 11, "minute": 40}
